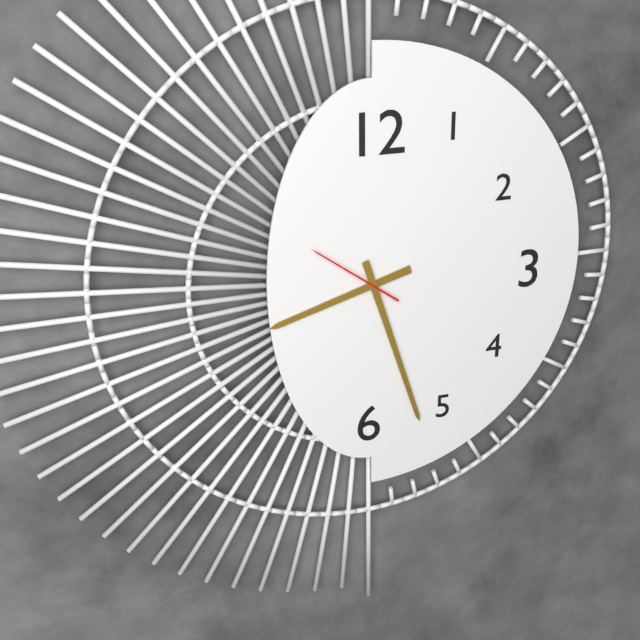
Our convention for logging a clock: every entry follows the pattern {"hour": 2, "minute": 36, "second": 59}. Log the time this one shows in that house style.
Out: {"hour": 8, "minute": 27, "second": 51}
